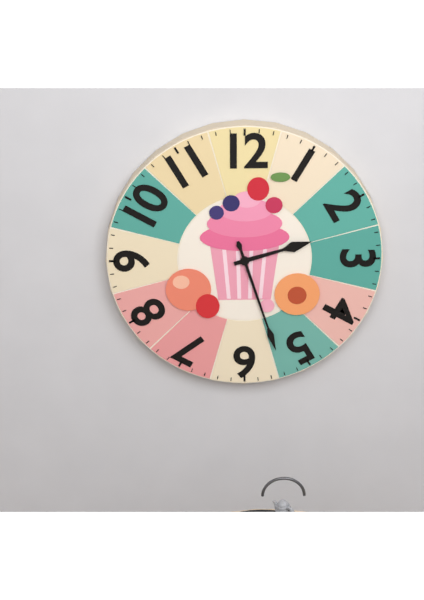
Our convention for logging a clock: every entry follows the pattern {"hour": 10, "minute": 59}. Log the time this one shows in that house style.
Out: {"hour": 2, "minute": 27}
